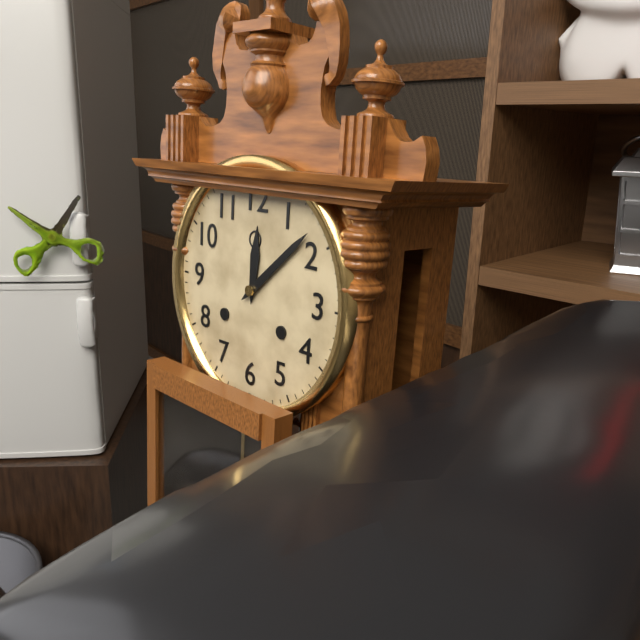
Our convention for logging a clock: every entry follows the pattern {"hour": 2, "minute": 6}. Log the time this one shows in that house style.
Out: {"hour": 12, "minute": 8}
